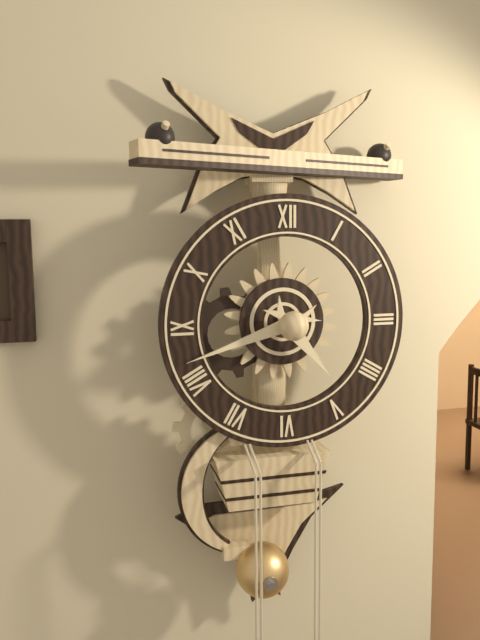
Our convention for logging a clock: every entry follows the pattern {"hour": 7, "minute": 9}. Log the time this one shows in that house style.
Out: {"hour": 4, "minute": 42}
